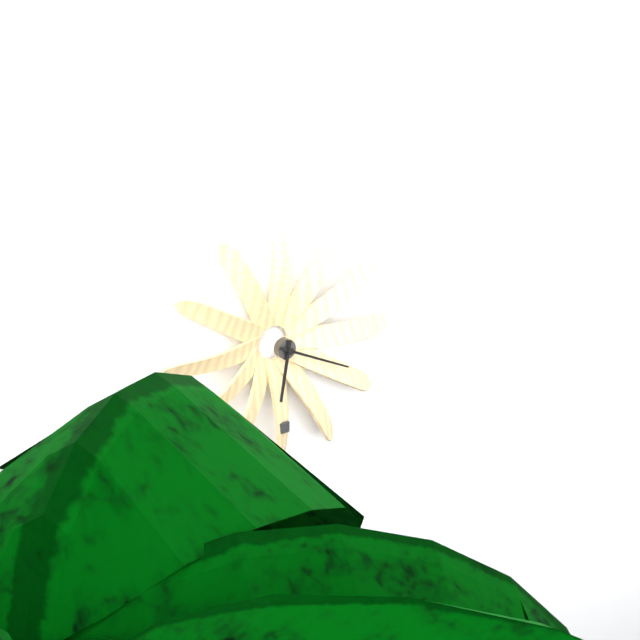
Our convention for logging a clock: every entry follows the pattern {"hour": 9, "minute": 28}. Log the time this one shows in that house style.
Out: {"hour": 6, "minute": 19}
